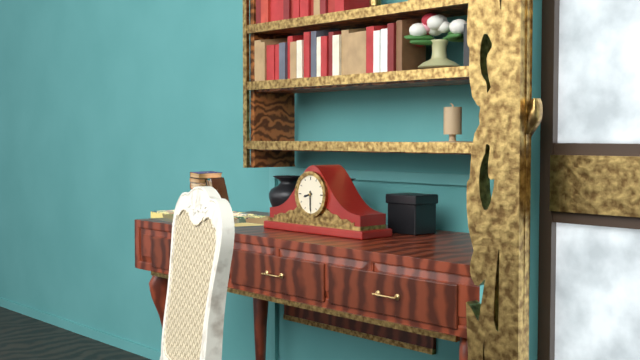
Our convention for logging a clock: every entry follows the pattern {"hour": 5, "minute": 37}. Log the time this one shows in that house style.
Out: {"hour": 8, "minute": 30}
